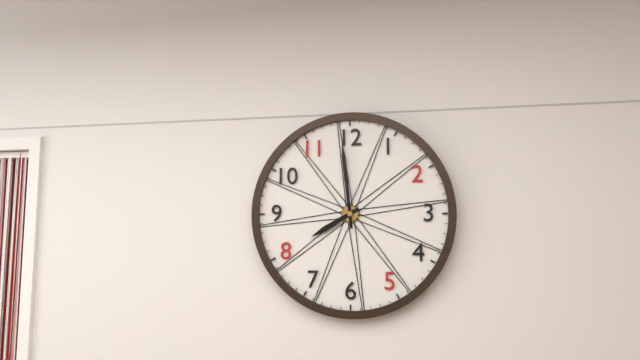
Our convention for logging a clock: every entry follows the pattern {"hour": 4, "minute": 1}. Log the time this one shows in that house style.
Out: {"hour": 7, "minute": 59}
